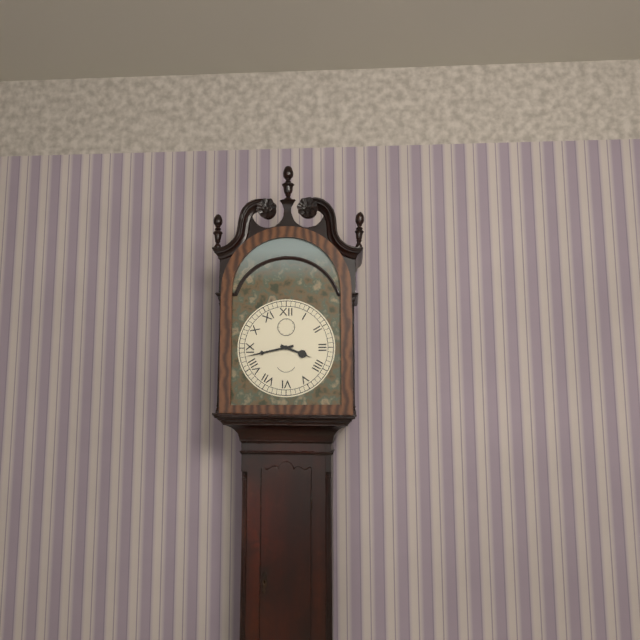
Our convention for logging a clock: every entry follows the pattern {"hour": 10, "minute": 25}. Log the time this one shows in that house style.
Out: {"hour": 3, "minute": 43}
